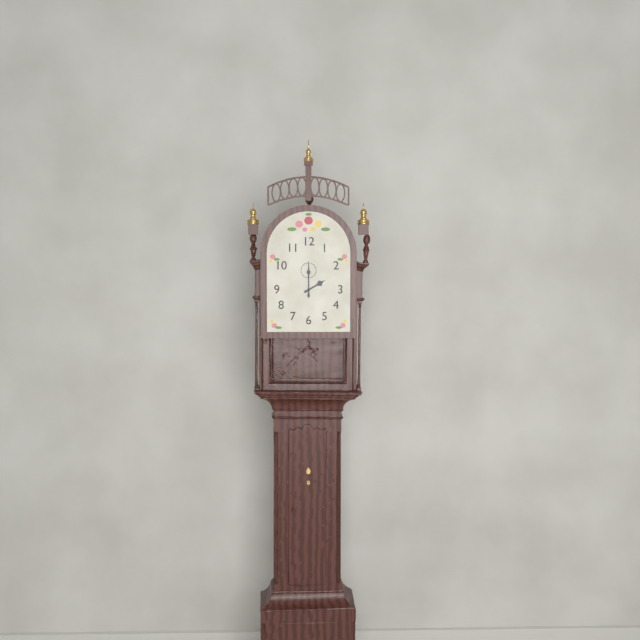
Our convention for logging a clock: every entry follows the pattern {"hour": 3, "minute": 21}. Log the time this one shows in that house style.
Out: {"hour": 2, "minute": 0}
